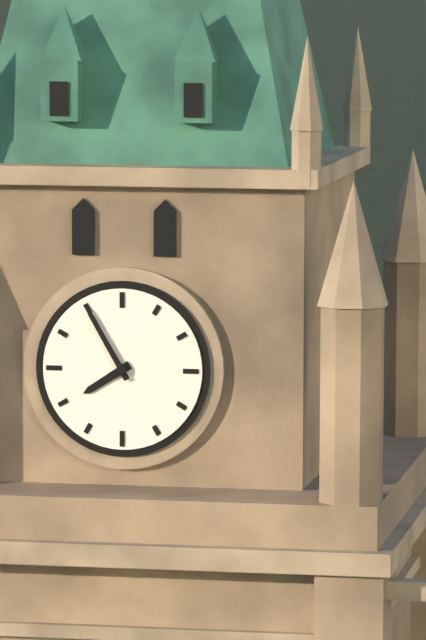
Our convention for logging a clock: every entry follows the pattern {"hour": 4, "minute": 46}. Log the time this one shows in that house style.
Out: {"hour": 7, "minute": 55}
